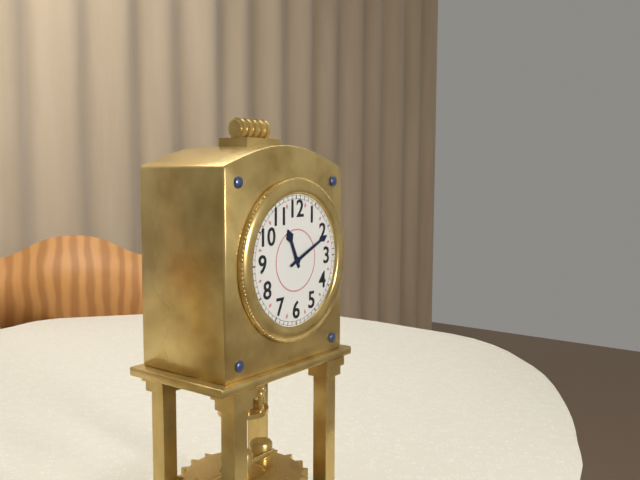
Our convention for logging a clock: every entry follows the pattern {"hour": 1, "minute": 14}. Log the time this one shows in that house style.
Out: {"hour": 11, "minute": 11}
